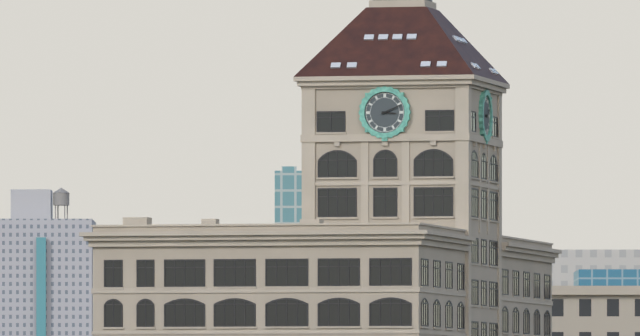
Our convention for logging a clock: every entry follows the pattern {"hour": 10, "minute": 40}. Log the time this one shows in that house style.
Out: {"hour": 3, "minute": 11}
